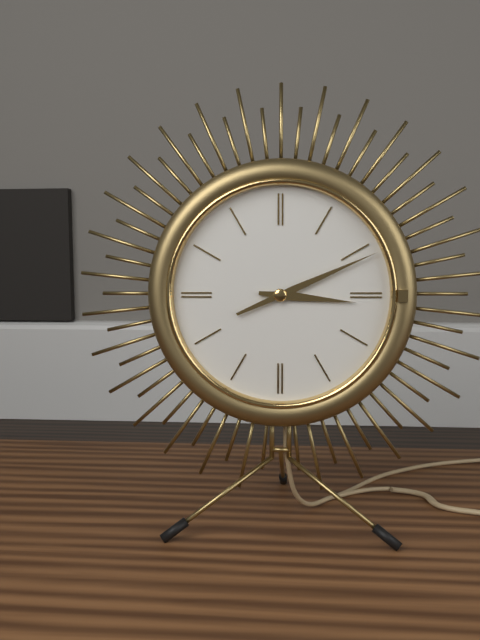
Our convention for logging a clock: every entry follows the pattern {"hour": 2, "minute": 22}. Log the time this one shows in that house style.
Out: {"hour": 3, "minute": 11}
